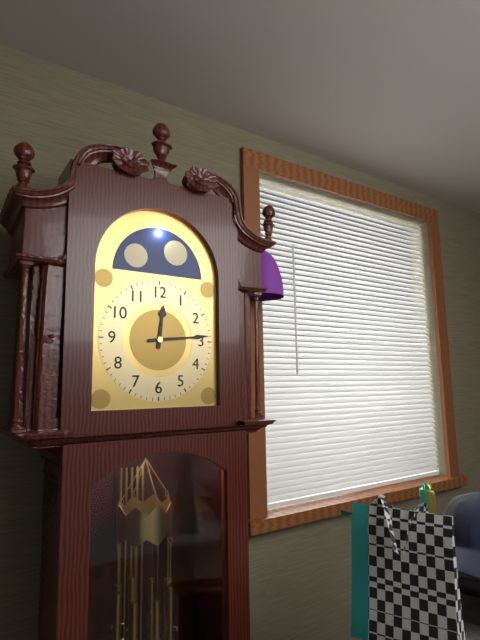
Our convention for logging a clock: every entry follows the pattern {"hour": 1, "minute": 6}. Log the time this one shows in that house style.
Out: {"hour": 12, "minute": 14}
